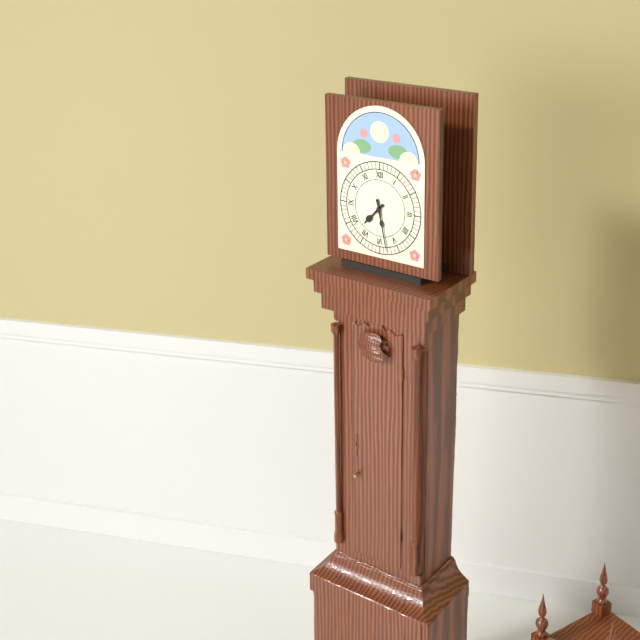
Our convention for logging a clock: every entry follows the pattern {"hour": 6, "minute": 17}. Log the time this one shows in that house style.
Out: {"hour": 7, "minute": 28}
